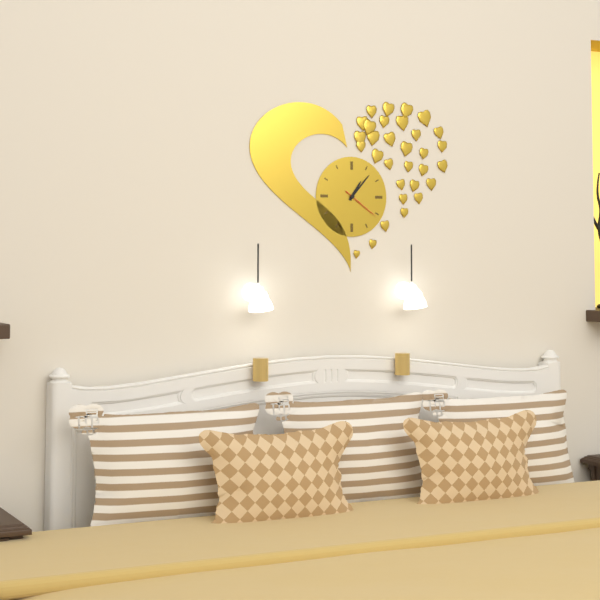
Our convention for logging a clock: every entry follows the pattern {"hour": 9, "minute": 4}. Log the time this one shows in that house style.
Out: {"hour": 1, "minute": 7}
